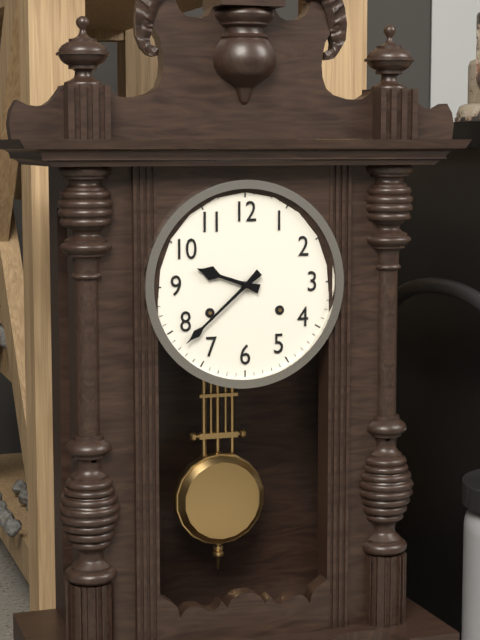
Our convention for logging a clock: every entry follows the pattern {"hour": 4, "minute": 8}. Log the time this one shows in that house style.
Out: {"hour": 9, "minute": 38}
